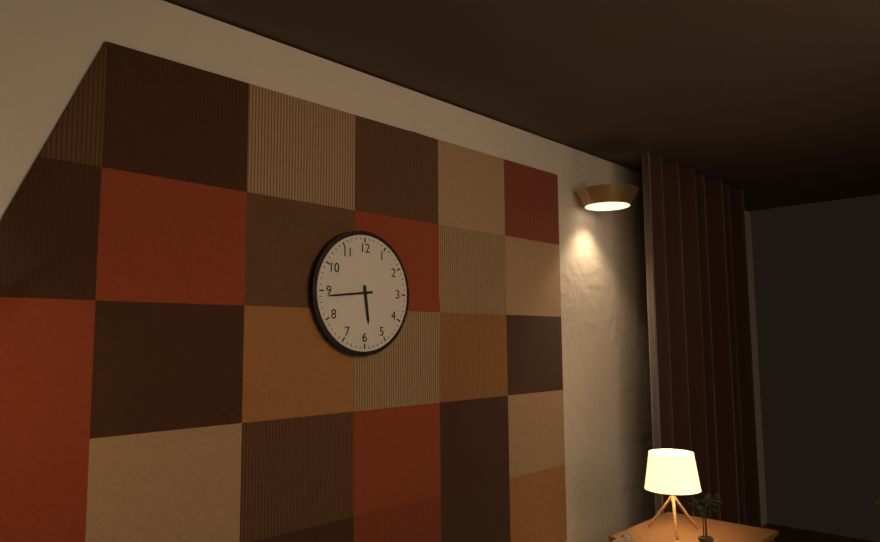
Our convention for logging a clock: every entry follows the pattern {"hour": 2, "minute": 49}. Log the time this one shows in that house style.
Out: {"hour": 5, "minute": 44}
